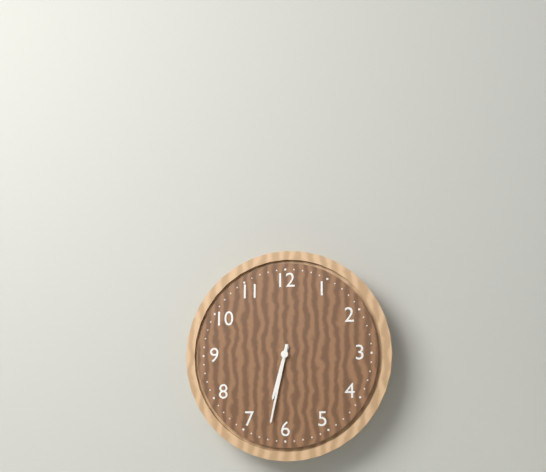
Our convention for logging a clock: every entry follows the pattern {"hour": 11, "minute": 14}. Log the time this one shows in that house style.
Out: {"hour": 6, "minute": 32}
